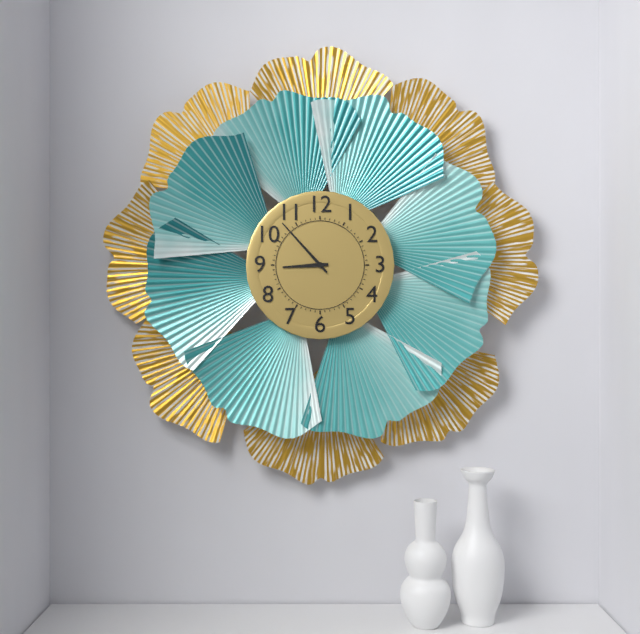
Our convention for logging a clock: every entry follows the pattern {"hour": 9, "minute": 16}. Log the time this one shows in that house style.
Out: {"hour": 8, "minute": 53}
